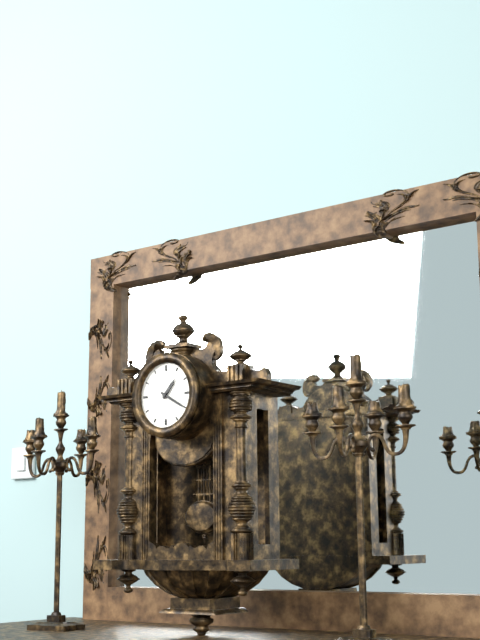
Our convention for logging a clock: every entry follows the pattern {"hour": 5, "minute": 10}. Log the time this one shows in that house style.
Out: {"hour": 1, "minute": 20}
